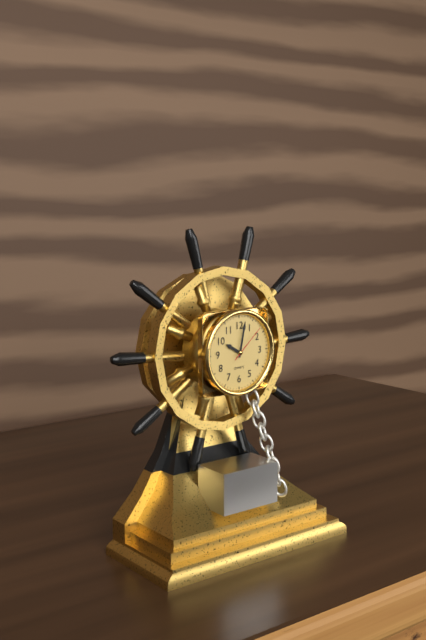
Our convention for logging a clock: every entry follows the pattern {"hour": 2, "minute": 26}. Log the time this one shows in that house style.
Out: {"hour": 10, "minute": 2}
